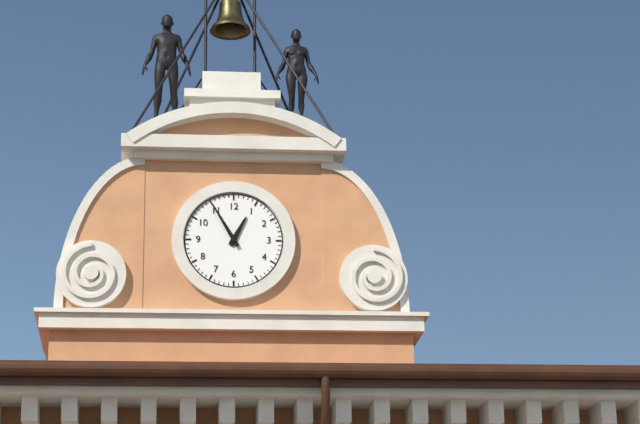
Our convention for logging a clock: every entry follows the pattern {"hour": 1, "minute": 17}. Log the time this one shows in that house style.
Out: {"hour": 12, "minute": 55}
